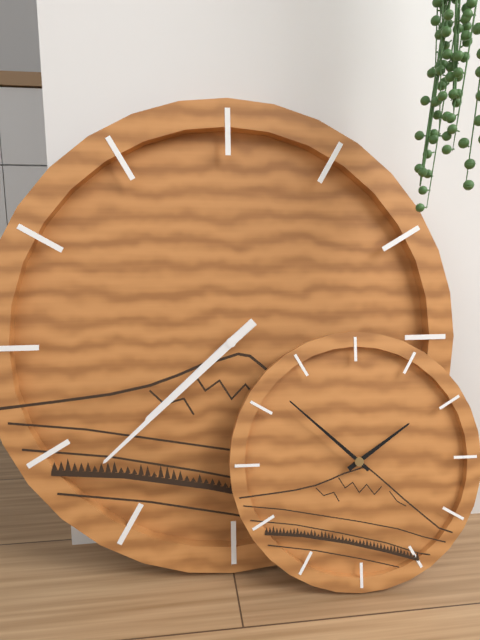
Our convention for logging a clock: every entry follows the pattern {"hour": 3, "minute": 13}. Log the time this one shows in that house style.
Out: {"hour": 7, "minute": 38}
